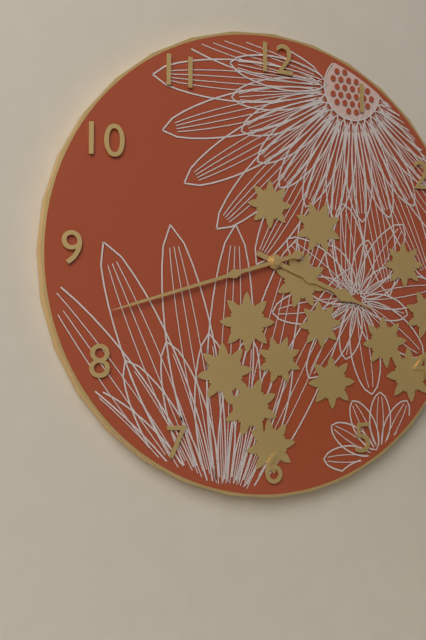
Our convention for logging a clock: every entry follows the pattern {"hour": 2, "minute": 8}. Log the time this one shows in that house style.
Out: {"hour": 3, "minute": 42}
